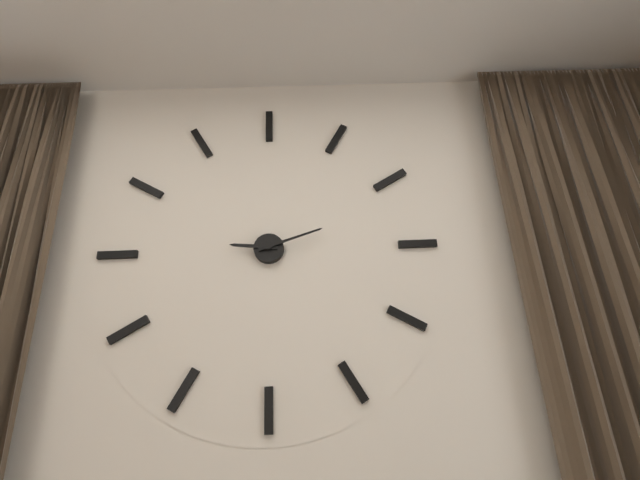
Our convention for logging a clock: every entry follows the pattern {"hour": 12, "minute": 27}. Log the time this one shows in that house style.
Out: {"hour": 9, "minute": 12}
